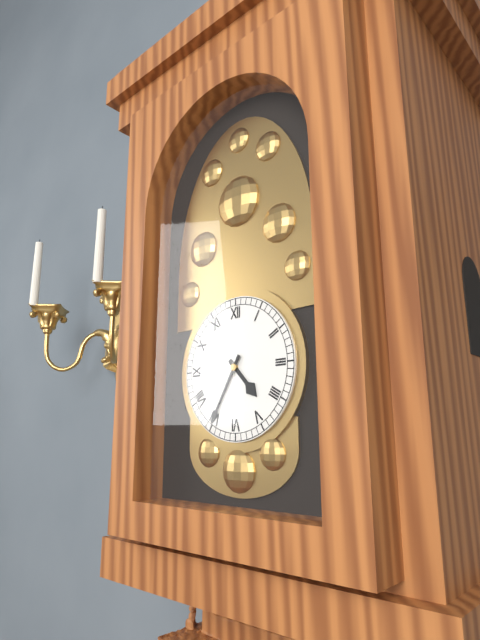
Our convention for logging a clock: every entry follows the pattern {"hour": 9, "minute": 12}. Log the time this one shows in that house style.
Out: {"hour": 4, "minute": 35}
